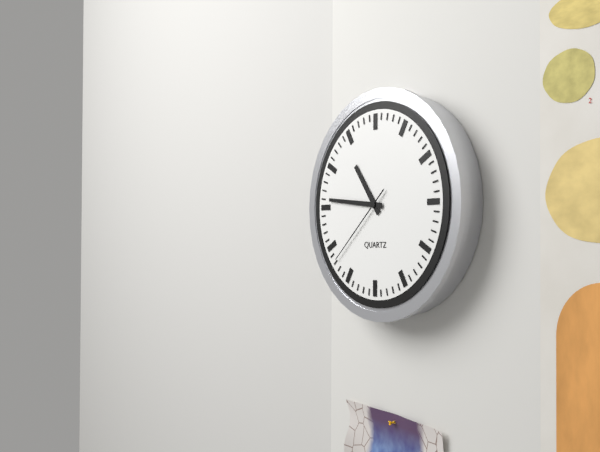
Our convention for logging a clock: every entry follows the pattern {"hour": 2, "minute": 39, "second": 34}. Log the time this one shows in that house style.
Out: {"hour": 10, "minute": 46, "second": 38}
